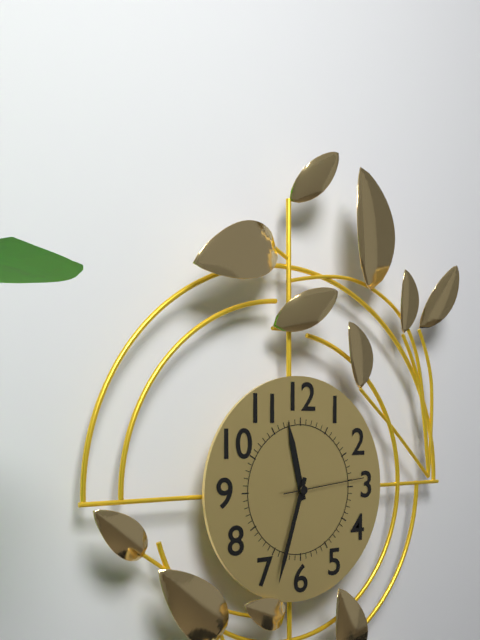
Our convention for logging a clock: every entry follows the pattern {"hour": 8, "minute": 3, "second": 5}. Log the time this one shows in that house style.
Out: {"hour": 11, "minute": 33, "second": 14}
